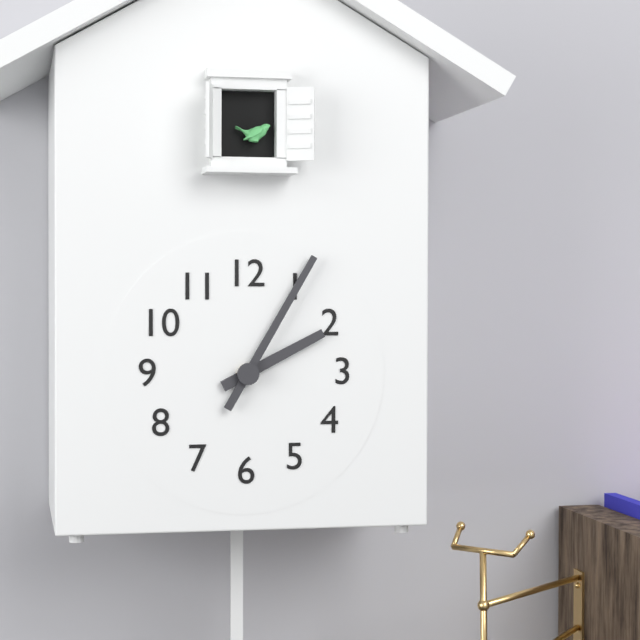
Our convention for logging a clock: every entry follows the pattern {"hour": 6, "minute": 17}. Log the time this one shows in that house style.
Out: {"hour": 2, "minute": 5}
